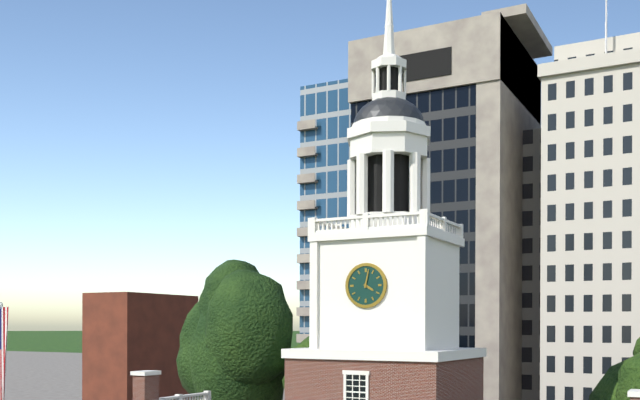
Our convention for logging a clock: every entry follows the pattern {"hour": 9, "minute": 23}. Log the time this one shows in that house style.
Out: {"hour": 4, "minute": 2}
